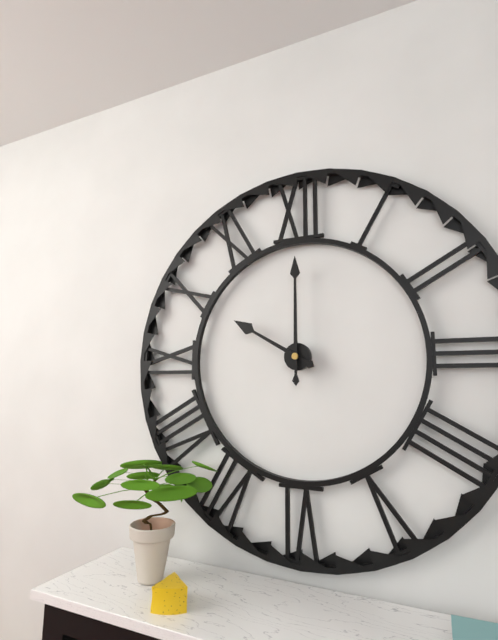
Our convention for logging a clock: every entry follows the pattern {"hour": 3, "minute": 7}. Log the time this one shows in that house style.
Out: {"hour": 10, "minute": 0}
